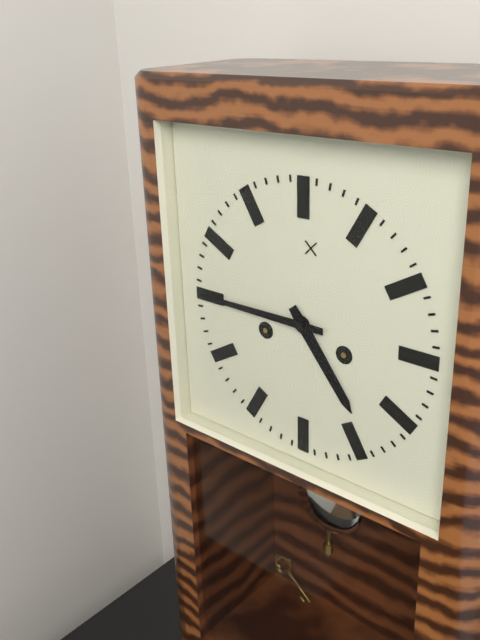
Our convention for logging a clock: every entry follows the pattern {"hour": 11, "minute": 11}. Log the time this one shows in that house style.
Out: {"hour": 4, "minute": 45}
